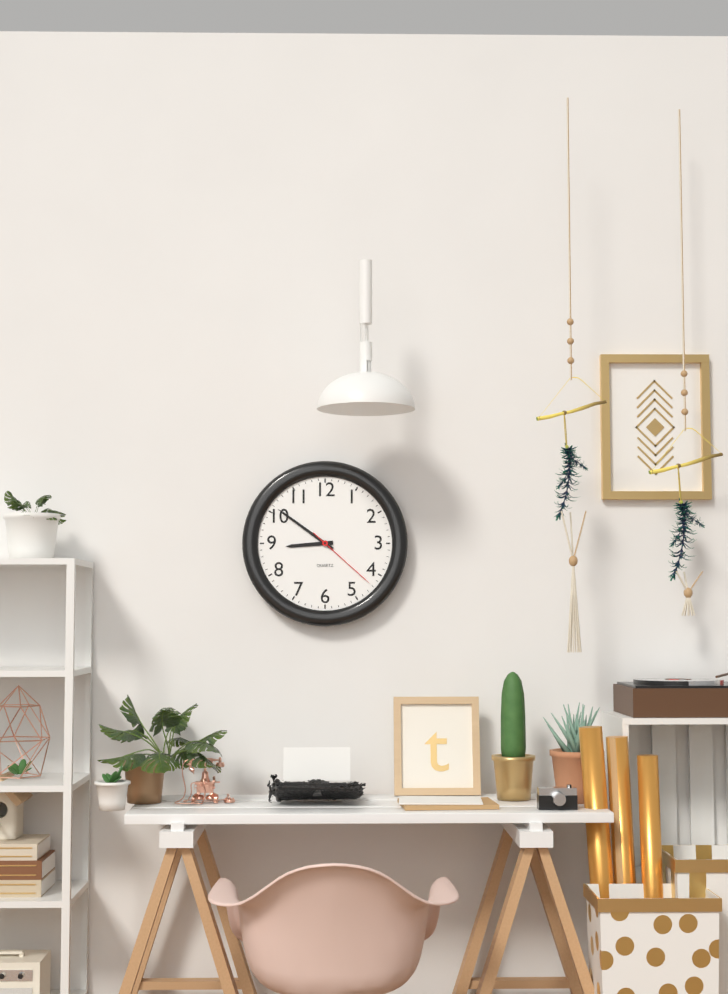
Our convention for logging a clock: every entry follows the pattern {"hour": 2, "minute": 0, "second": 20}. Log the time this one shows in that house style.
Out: {"hour": 8, "minute": 51, "second": 22}
